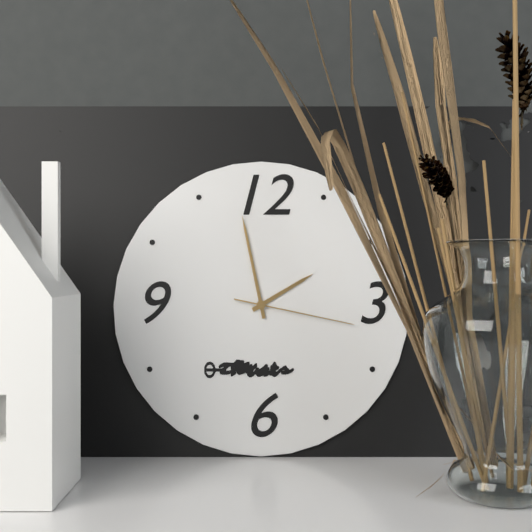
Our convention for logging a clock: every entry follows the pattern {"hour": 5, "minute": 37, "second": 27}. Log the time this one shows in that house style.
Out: {"hour": 1, "minute": 58, "second": 17}
